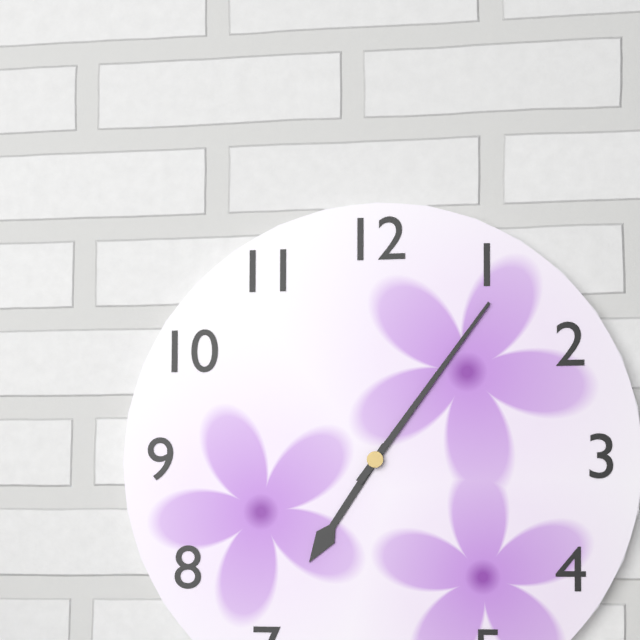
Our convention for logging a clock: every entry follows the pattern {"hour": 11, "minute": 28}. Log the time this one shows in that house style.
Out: {"hour": 7, "minute": 6}
